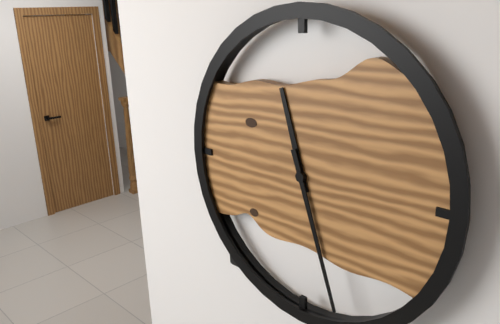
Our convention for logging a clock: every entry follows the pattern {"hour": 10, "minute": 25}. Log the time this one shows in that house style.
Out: {"hour": 11, "minute": 27}
